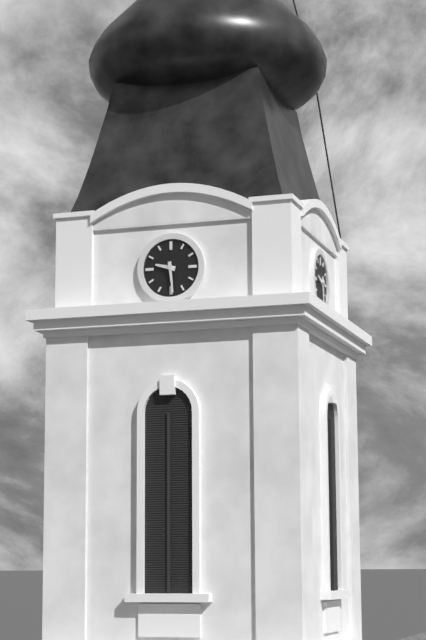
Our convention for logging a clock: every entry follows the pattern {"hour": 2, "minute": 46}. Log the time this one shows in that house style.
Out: {"hour": 9, "minute": 29}
